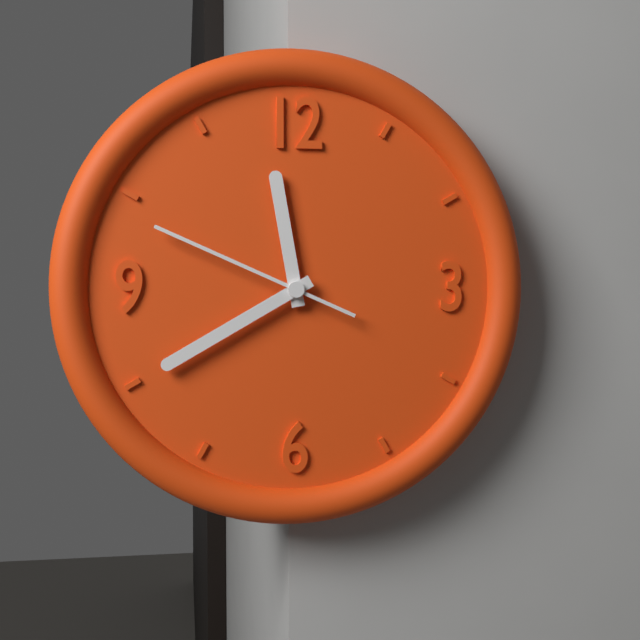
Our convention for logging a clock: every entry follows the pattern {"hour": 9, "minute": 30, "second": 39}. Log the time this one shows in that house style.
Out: {"hour": 11, "minute": 40, "second": 49}
